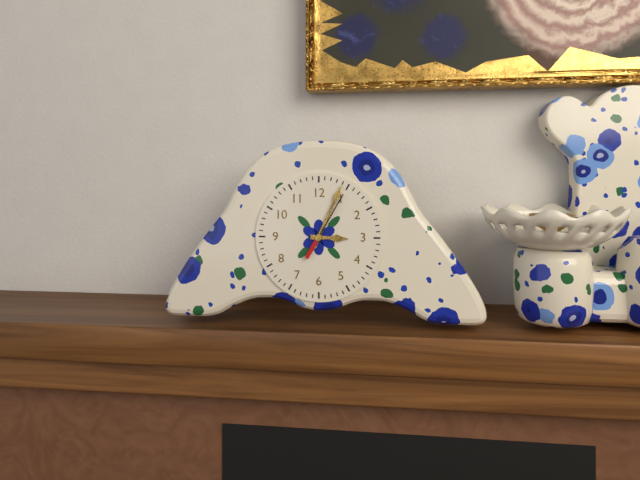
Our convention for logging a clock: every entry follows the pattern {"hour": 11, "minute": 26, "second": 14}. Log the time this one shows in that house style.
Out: {"hour": 3, "minute": 4, "second": 5}
